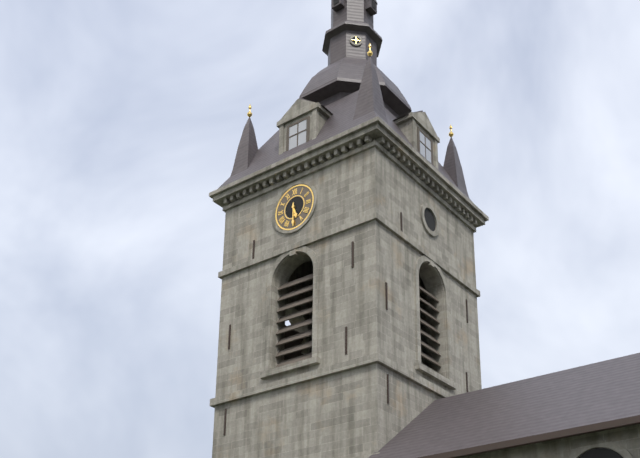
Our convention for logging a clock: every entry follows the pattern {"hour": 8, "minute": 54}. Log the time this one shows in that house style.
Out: {"hour": 5, "minute": 30}
